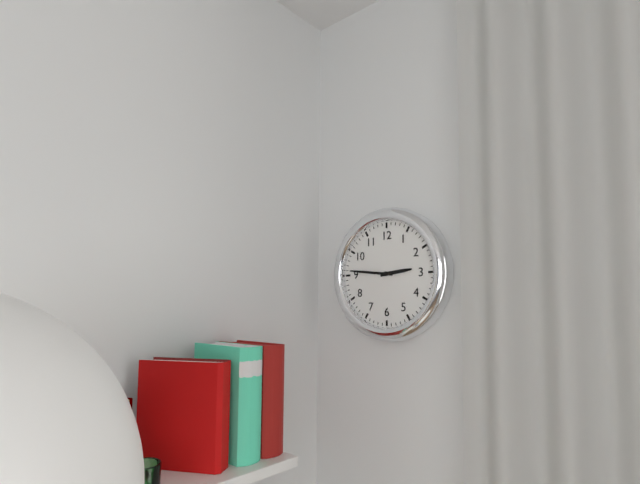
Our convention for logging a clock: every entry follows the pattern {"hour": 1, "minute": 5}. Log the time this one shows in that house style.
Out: {"hour": 2, "minute": 46}
